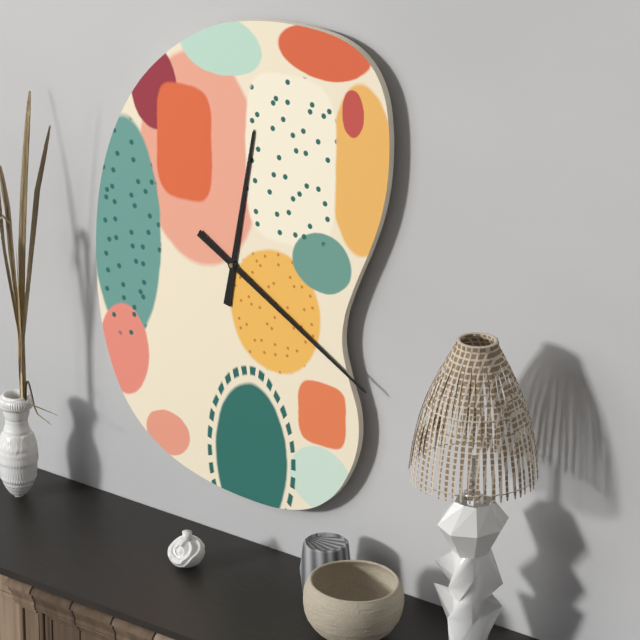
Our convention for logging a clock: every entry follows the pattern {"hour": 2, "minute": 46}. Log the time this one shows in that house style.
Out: {"hour": 12, "minute": 20}
